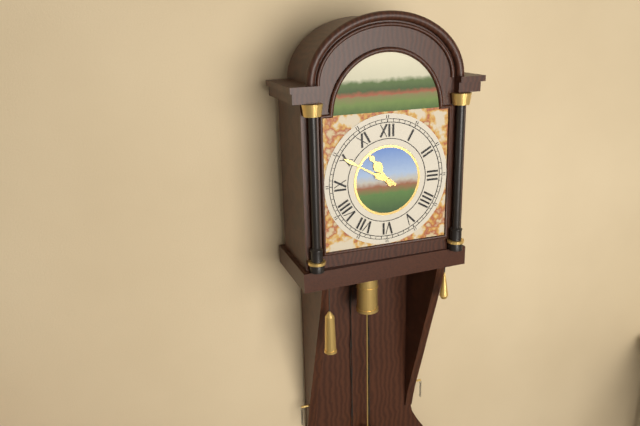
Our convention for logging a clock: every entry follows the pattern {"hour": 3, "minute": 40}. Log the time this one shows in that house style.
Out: {"hour": 10, "minute": 50}
